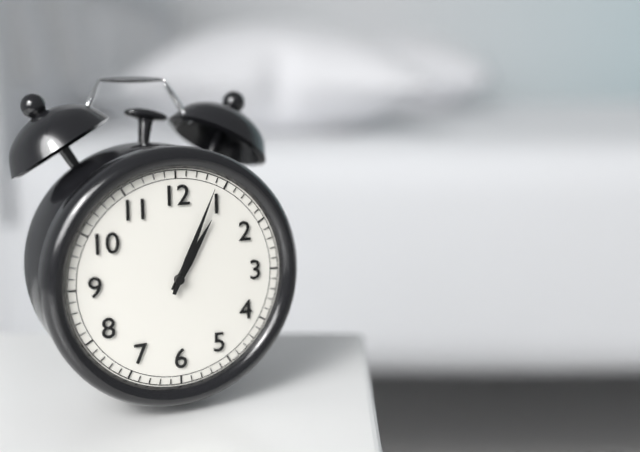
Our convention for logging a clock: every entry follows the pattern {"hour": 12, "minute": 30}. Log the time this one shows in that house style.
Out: {"hour": 1, "minute": 4}
